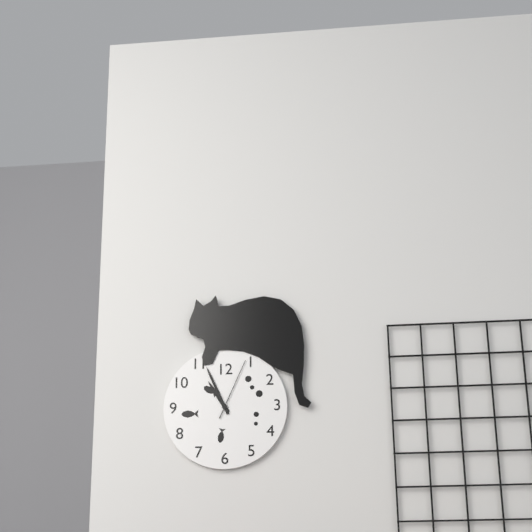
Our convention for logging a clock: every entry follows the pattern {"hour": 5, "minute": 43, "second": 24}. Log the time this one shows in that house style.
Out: {"hour": 10, "minute": 56, "second": 4}
